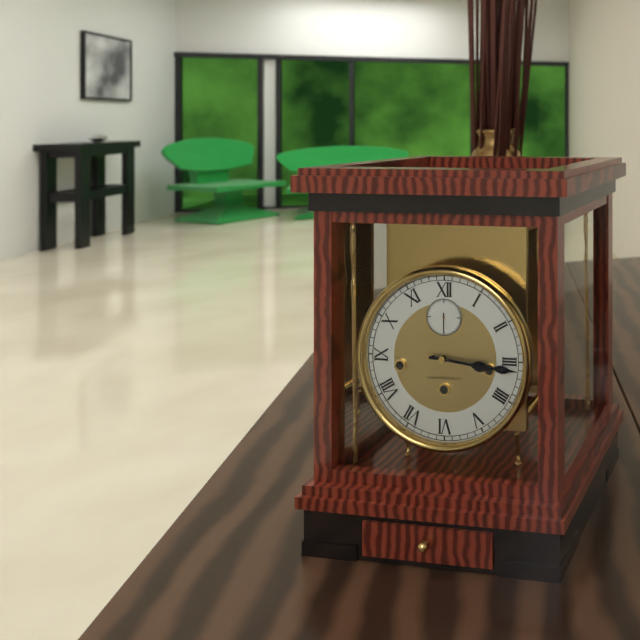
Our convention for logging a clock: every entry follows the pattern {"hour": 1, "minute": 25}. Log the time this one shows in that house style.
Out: {"hour": 3, "minute": 16}
